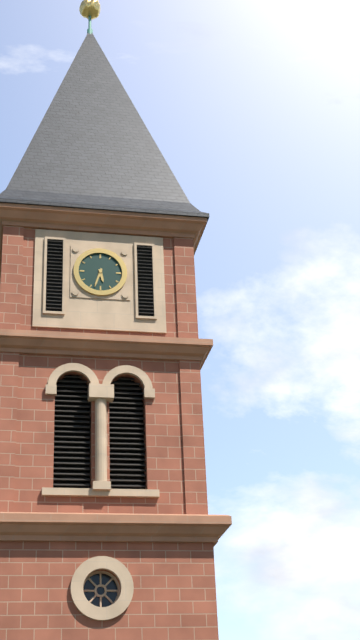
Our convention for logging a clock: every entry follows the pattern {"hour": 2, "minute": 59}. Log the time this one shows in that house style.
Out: {"hour": 5, "minute": 33}
